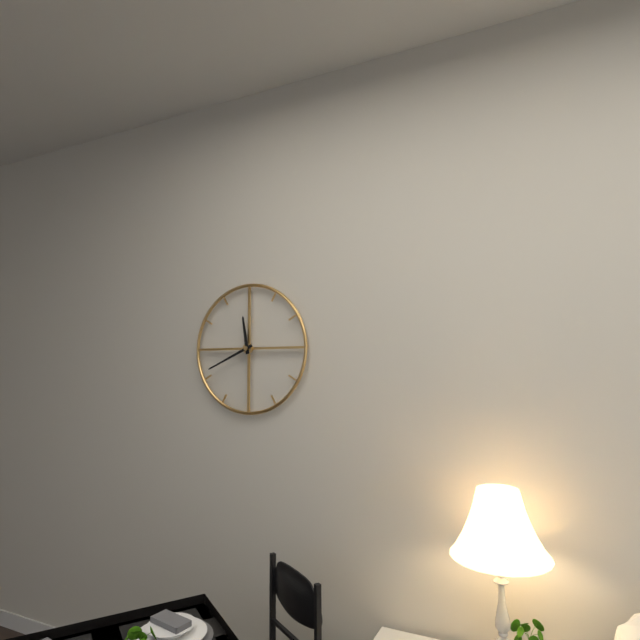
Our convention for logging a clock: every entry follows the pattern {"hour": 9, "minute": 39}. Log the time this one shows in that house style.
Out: {"hour": 11, "minute": 41}
